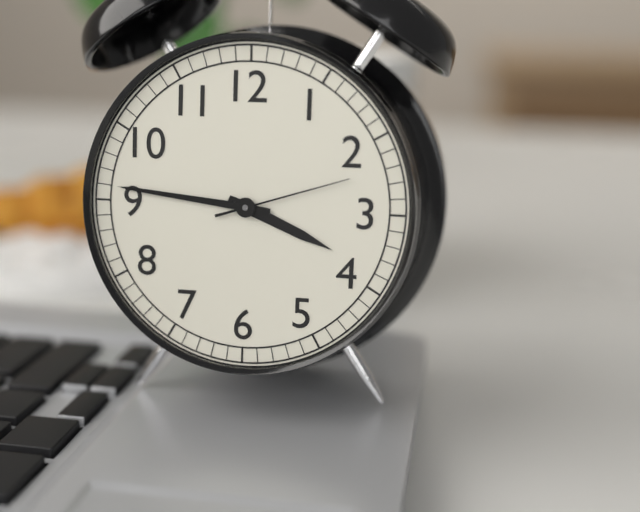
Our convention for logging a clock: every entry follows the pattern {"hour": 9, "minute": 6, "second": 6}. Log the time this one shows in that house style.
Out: {"hour": 3, "minute": 46, "second": 12}
